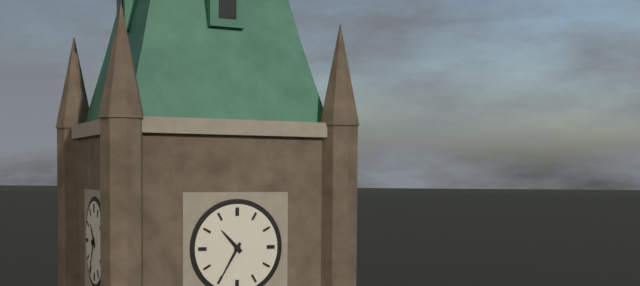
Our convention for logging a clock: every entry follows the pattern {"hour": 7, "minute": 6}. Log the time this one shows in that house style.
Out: {"hour": 10, "minute": 35}
